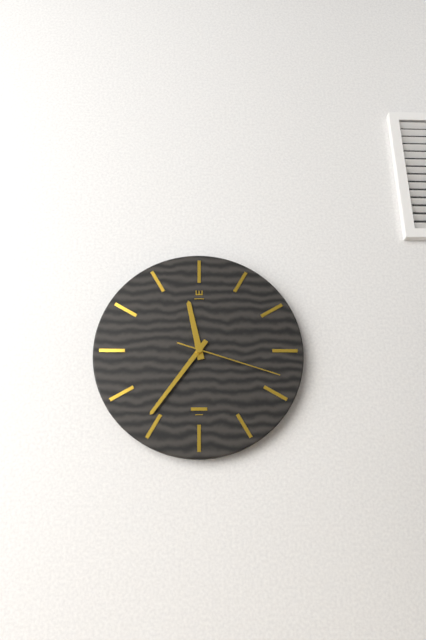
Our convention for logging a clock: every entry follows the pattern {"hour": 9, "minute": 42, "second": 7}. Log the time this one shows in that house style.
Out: {"hour": 11, "minute": 36, "second": 18}
